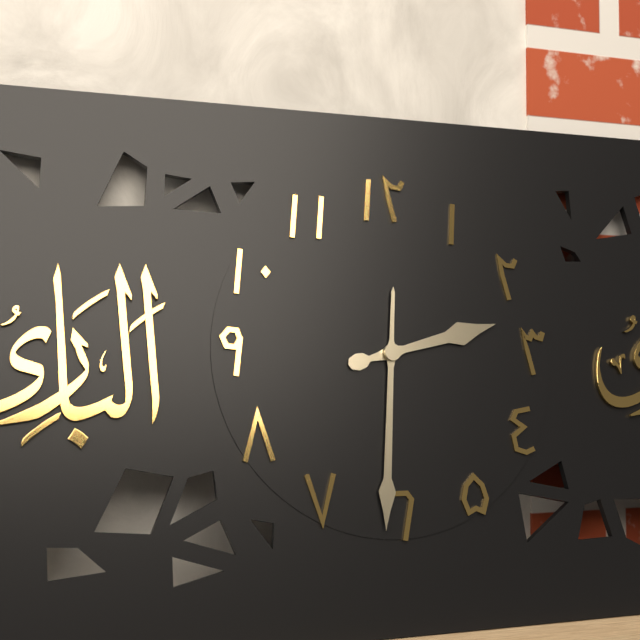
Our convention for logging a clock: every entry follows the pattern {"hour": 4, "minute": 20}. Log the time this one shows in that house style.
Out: {"hour": 2, "minute": 31}
